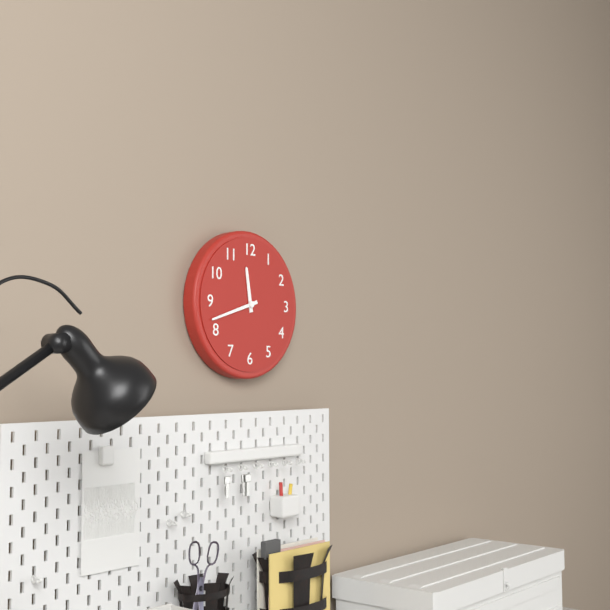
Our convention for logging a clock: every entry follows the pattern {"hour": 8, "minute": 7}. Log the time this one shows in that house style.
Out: {"hour": 11, "minute": 42}
